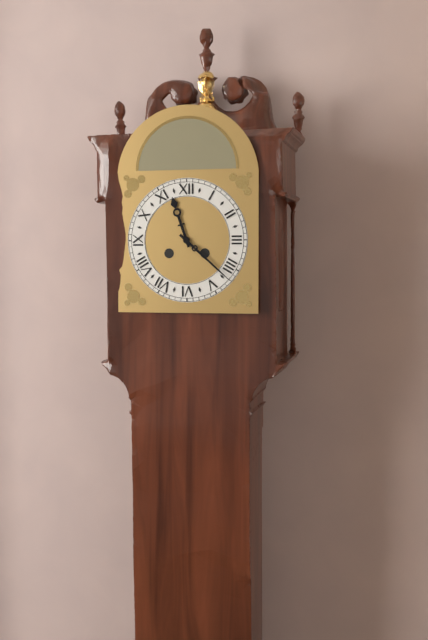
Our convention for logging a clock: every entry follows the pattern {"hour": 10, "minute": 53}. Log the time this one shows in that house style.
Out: {"hour": 11, "minute": 22}
